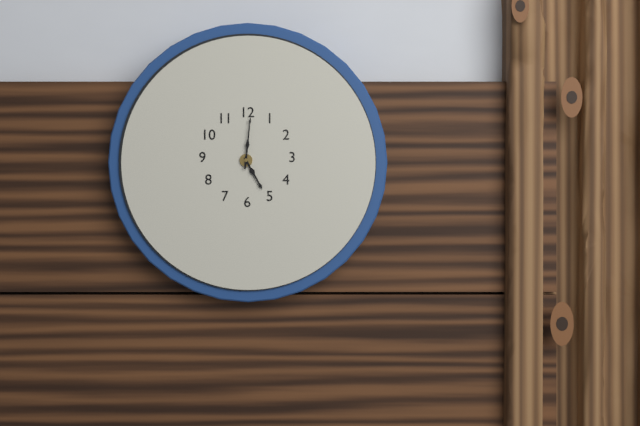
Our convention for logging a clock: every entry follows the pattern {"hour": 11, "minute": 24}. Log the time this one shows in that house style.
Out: {"hour": 5, "minute": 1}
